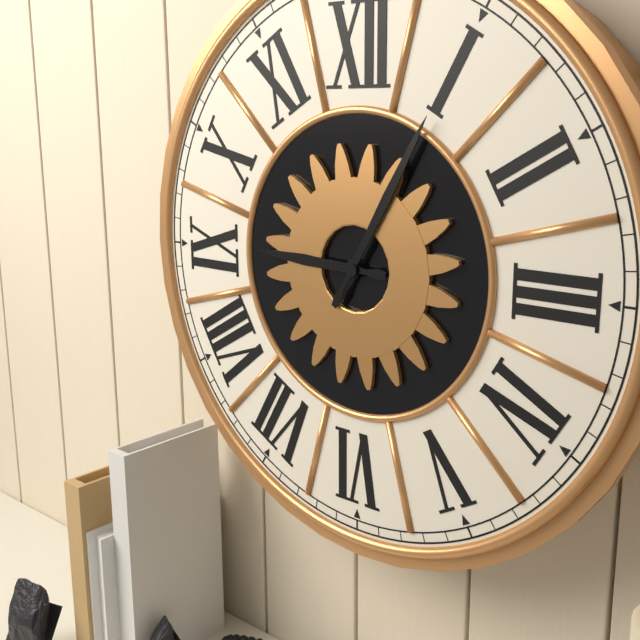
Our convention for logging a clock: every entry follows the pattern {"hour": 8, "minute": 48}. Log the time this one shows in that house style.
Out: {"hour": 9, "minute": 5}
